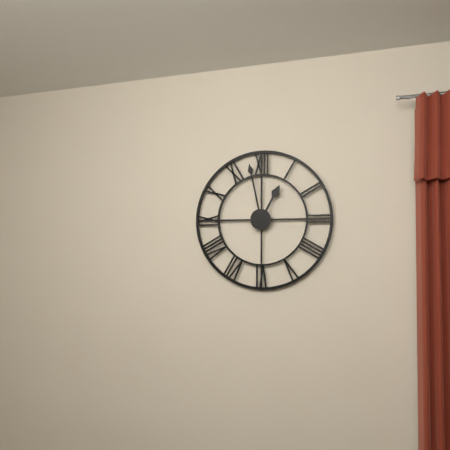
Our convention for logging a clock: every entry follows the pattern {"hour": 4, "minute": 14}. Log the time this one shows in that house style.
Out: {"hour": 12, "minute": 58}
